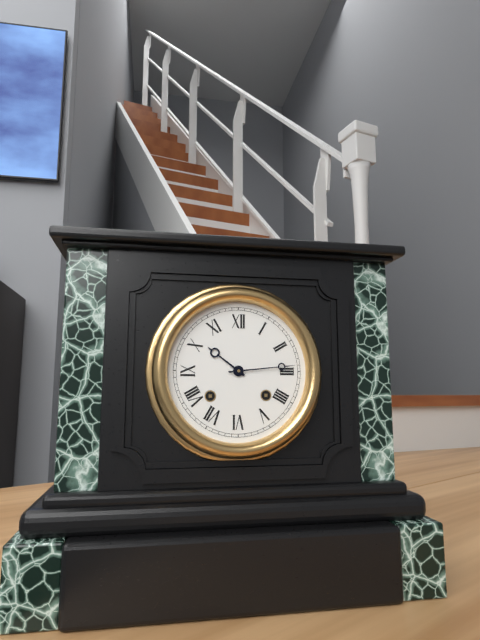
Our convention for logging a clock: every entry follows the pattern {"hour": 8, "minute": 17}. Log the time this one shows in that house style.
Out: {"hour": 10, "minute": 14}
